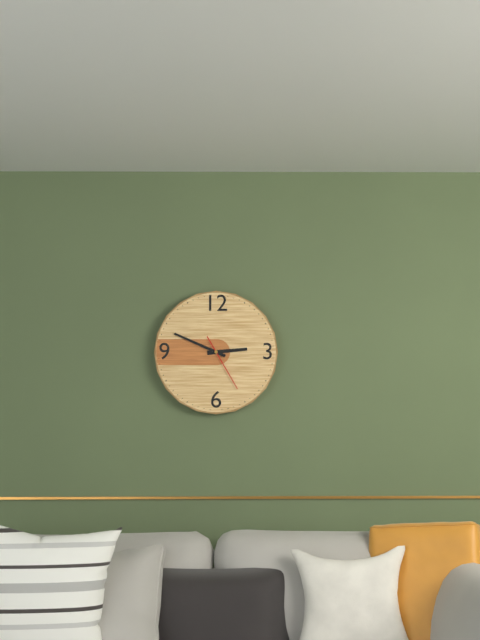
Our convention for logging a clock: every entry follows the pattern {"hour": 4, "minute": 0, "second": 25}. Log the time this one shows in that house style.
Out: {"hour": 2, "minute": 49, "second": 25}
